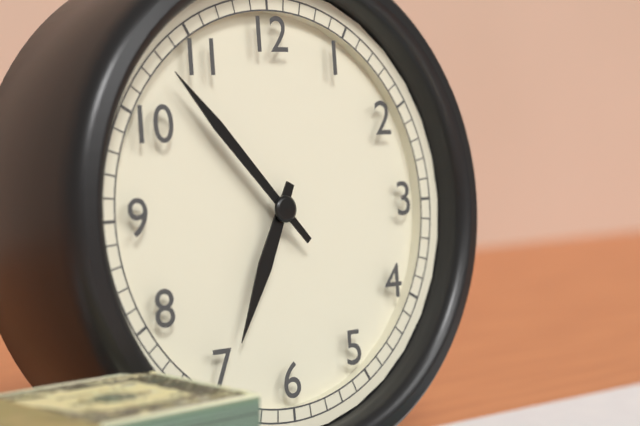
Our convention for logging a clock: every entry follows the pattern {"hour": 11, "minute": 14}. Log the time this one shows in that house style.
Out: {"hour": 6, "minute": 53}
